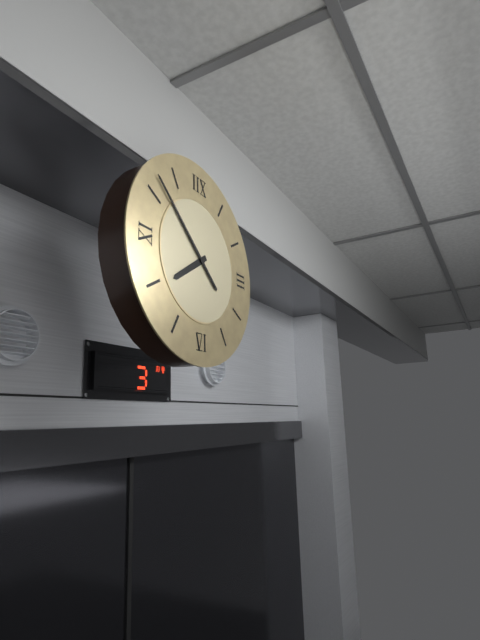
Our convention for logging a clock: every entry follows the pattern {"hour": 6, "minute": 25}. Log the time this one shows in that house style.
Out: {"hour": 7, "minute": 52}
